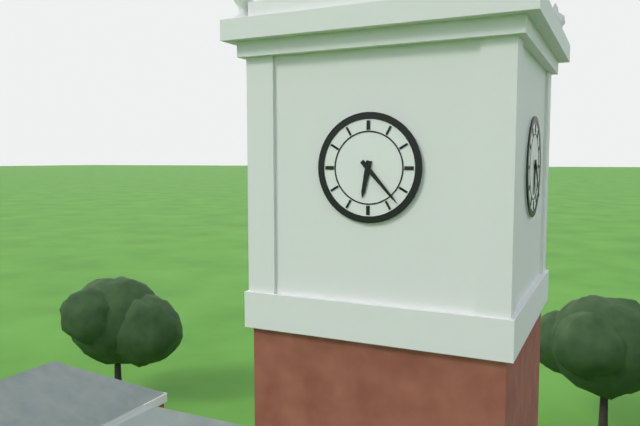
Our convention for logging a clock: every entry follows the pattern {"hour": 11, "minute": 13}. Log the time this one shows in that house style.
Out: {"hour": 6, "minute": 23}
